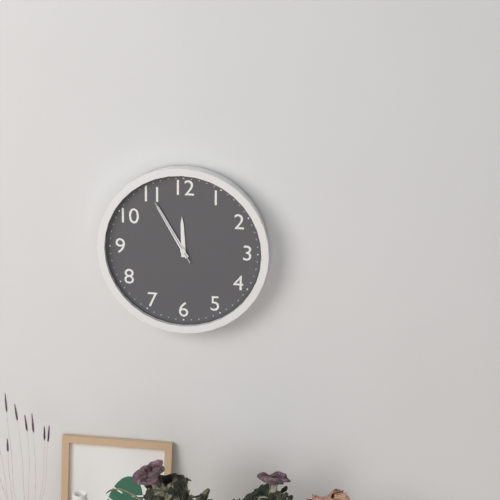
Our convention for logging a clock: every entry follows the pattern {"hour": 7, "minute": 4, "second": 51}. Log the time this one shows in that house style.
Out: {"hour": 11, "minute": 55, "second": 55}
